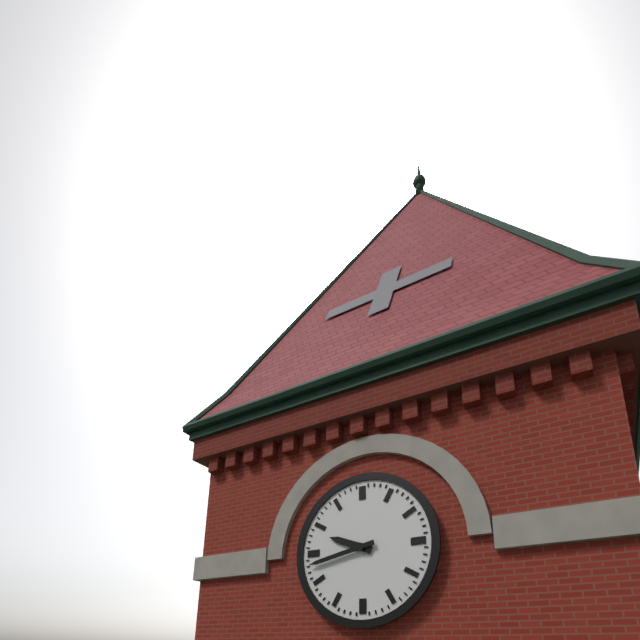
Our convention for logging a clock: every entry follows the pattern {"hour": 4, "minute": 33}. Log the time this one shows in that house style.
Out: {"hour": 9, "minute": 43}
